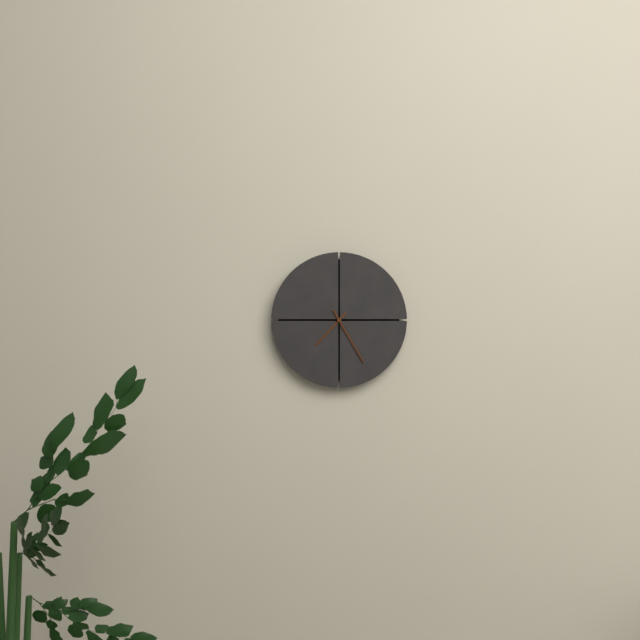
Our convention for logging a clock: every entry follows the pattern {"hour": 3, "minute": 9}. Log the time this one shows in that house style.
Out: {"hour": 7, "minute": 25}
